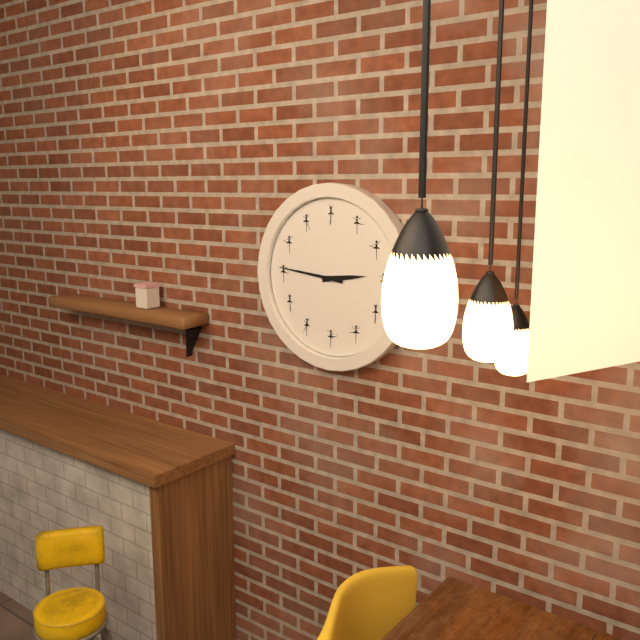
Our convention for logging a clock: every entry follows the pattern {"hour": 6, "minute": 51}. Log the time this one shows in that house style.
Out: {"hour": 2, "minute": 46}
